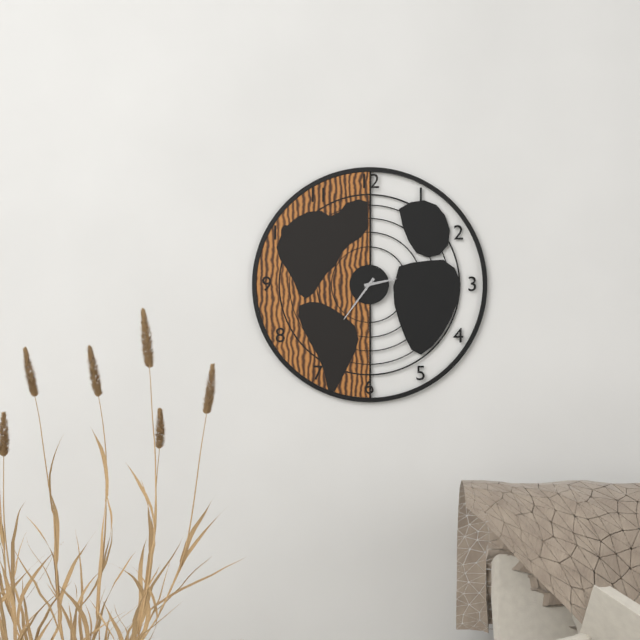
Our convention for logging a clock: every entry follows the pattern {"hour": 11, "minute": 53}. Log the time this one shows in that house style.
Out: {"hour": 2, "minute": 36}
